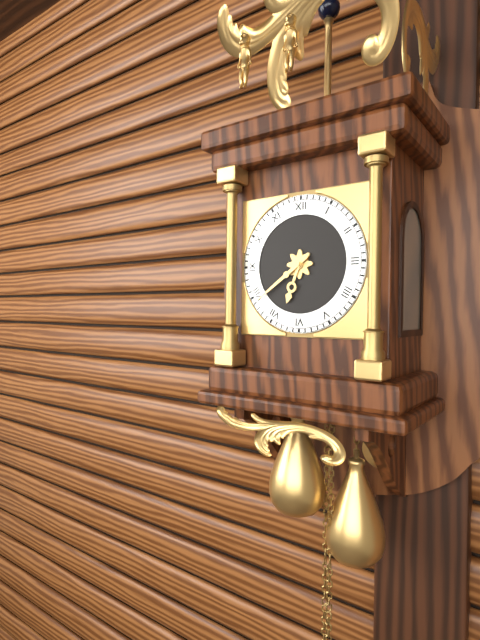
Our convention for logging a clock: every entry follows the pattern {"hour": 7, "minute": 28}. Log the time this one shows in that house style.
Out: {"hour": 6, "minute": 39}
